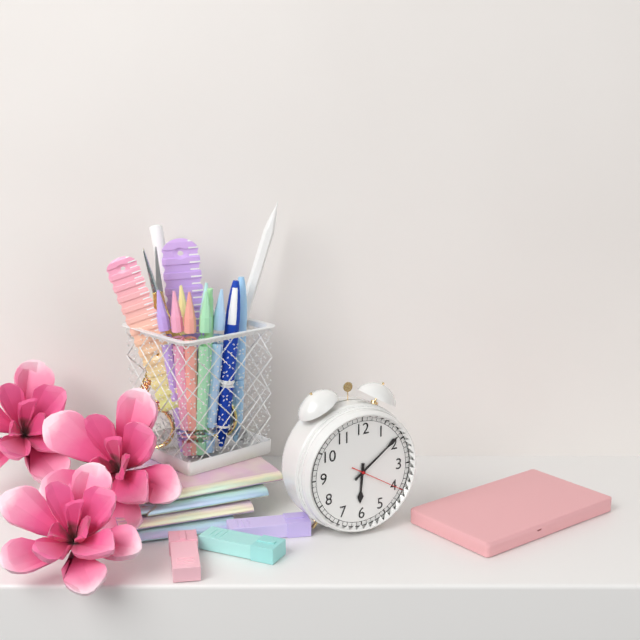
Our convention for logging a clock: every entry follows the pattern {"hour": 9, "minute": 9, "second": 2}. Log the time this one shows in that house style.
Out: {"hour": 6, "minute": 9, "second": 20}
